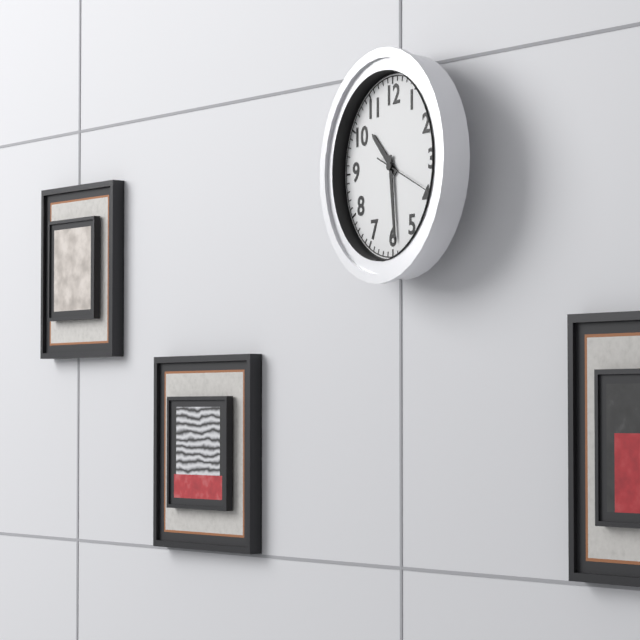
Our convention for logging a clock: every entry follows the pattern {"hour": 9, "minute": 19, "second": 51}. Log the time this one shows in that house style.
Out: {"hour": 10, "minute": 29, "second": 19}
